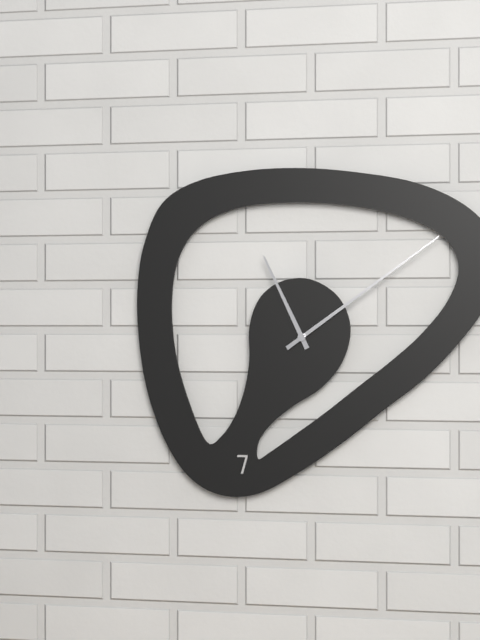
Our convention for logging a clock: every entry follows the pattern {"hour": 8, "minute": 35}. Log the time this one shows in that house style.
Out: {"hour": 11, "minute": 9}
